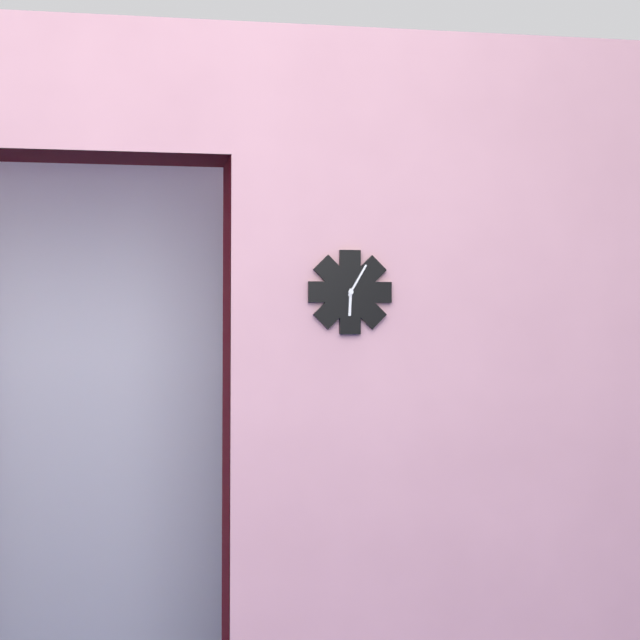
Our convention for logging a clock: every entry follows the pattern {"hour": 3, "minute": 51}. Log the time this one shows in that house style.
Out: {"hour": 6, "minute": 5}
